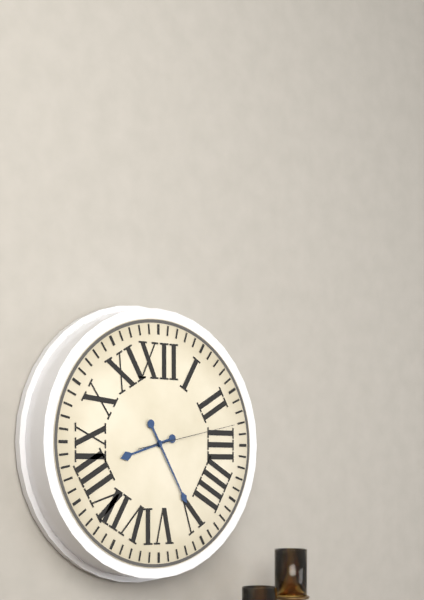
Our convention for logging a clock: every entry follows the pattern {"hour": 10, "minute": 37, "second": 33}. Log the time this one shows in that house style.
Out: {"hour": 8, "minute": 25, "second": 13}
